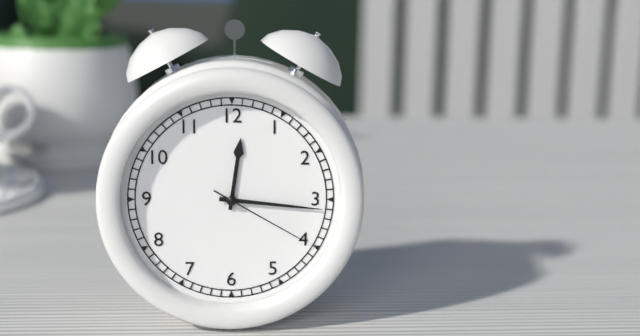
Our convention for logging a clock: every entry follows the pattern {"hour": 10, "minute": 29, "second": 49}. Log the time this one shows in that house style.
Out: {"hour": 12, "minute": 16, "second": 20}
